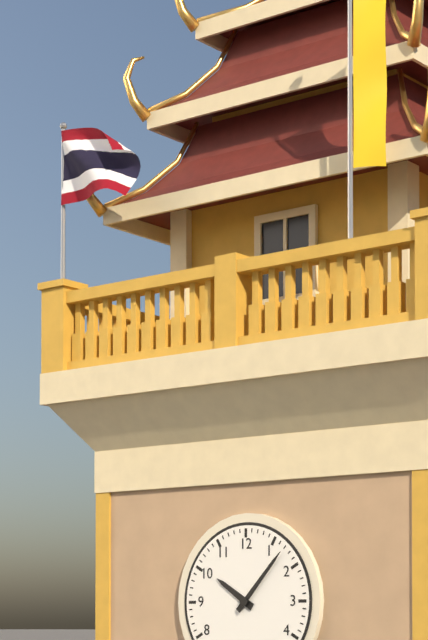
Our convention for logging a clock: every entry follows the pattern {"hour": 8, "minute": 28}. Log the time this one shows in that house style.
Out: {"hour": 10, "minute": 7}
